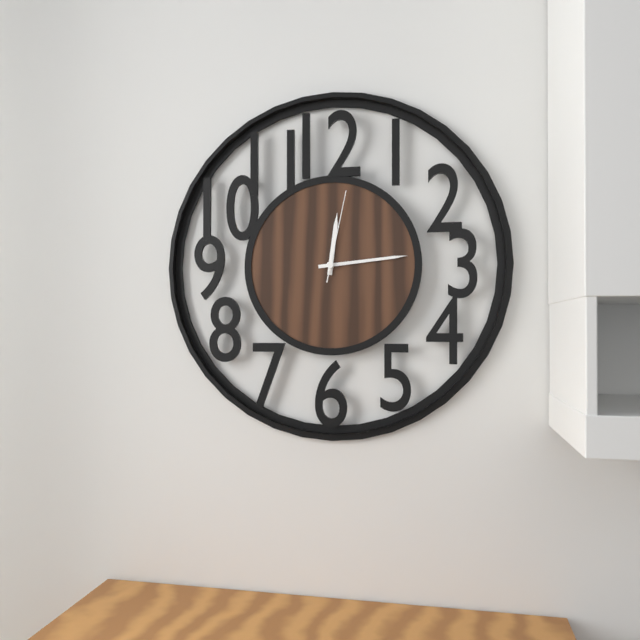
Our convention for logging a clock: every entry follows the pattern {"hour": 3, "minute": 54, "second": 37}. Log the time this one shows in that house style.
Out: {"hour": 12, "minute": 14, "second": 2}
